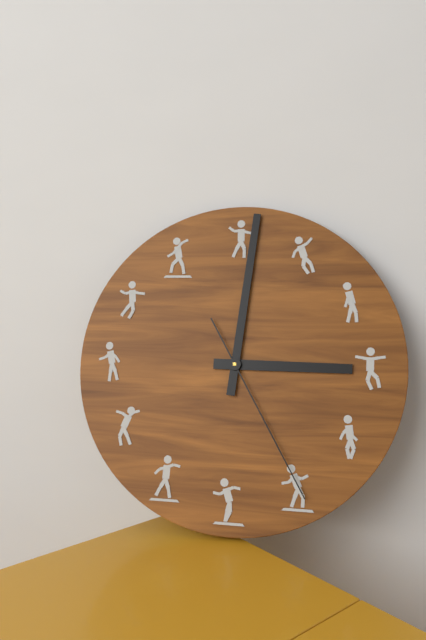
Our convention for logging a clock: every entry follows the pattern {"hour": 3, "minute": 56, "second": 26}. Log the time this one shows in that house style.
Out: {"hour": 3, "minute": 1, "second": 25}
